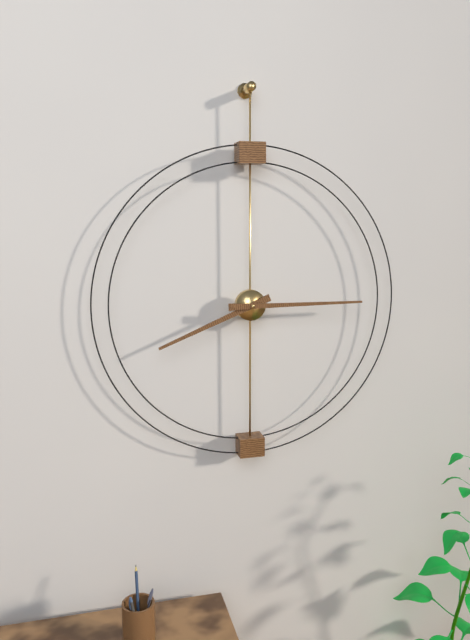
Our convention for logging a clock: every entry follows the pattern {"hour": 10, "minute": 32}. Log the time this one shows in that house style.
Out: {"hour": 8, "minute": 15}
